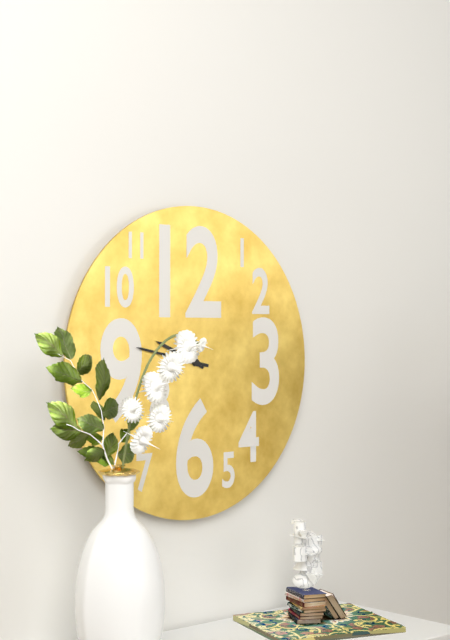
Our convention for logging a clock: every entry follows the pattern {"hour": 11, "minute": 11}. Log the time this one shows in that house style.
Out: {"hour": 9, "minute": 47}
